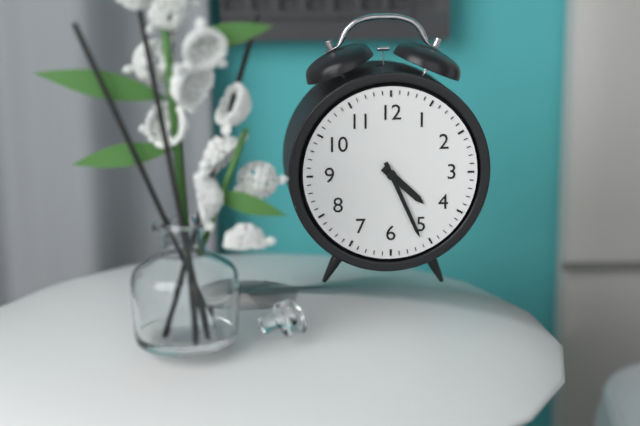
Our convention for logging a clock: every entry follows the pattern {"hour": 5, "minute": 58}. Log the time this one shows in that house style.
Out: {"hour": 4, "minute": 26}
